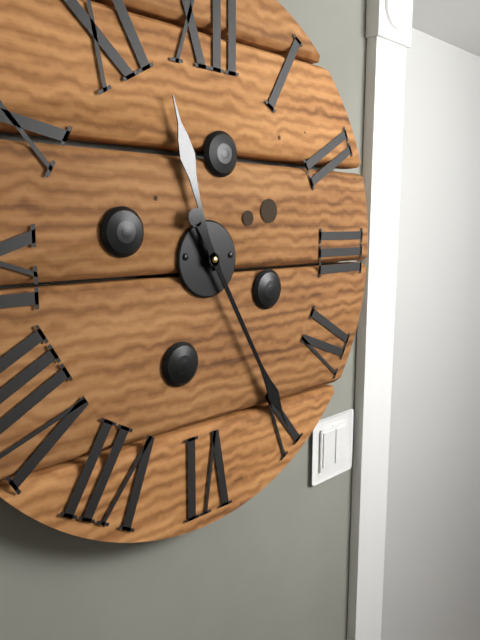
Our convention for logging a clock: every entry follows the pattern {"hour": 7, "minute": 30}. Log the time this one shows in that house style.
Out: {"hour": 11, "minute": 25}
